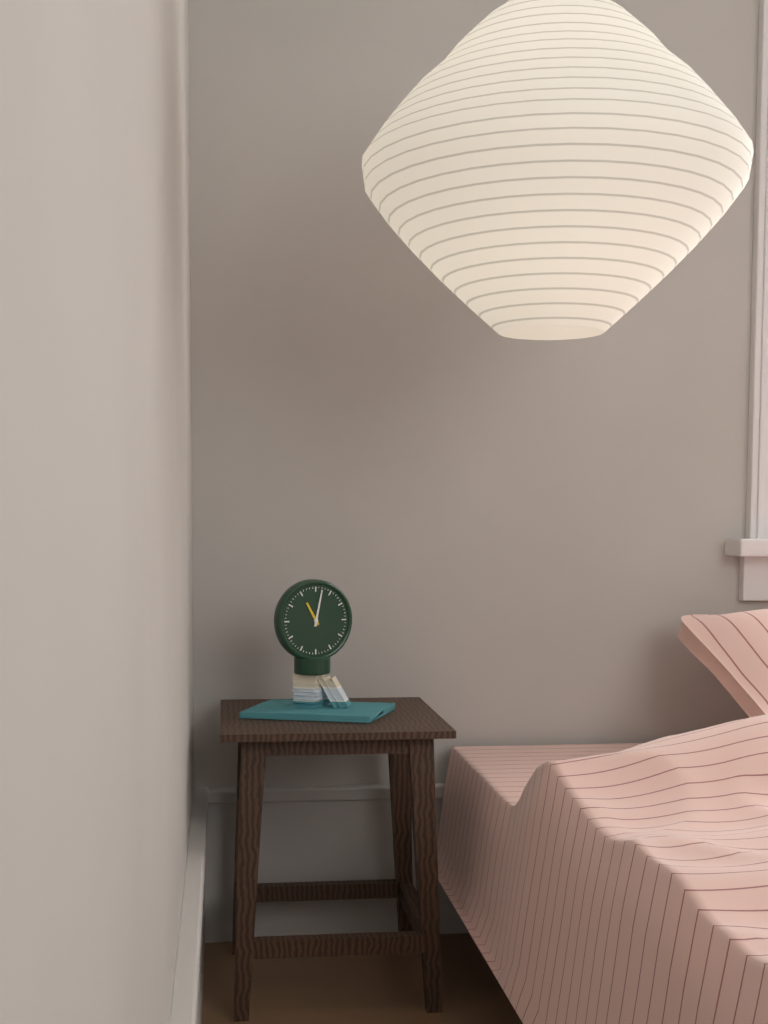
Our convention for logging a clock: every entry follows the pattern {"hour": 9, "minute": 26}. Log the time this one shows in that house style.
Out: {"hour": 11, "minute": 2}
